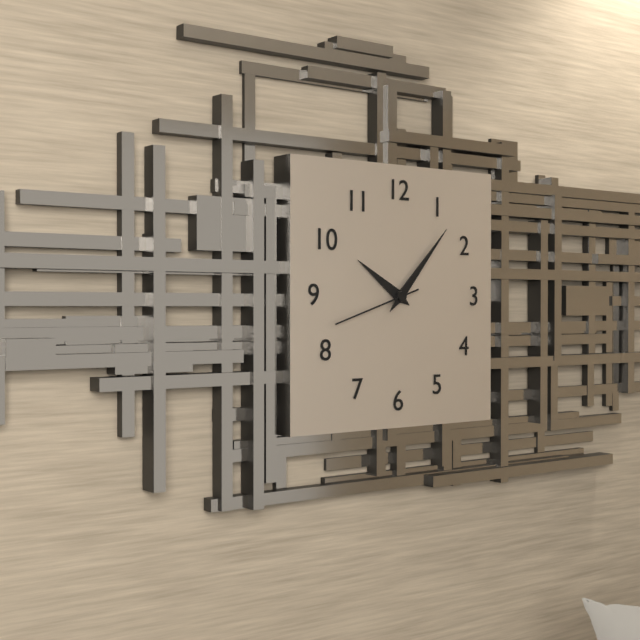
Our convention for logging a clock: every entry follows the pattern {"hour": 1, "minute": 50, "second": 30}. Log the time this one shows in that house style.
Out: {"hour": 10, "minute": 7, "second": 42}
